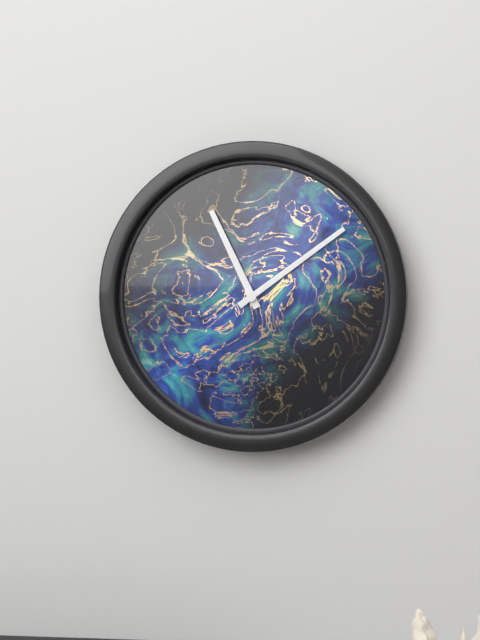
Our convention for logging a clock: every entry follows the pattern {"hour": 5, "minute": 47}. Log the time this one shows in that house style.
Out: {"hour": 11, "minute": 9}
